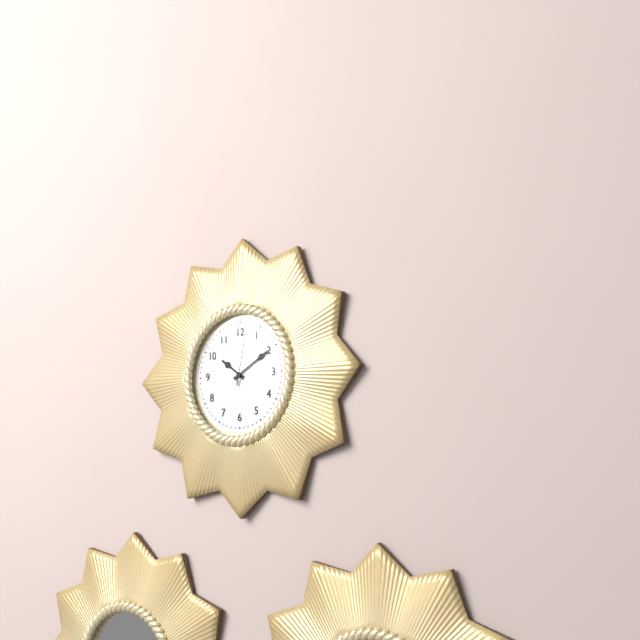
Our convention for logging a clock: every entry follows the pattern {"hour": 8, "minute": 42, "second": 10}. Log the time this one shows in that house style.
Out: {"hour": 10, "minute": 10, "second": 2}
